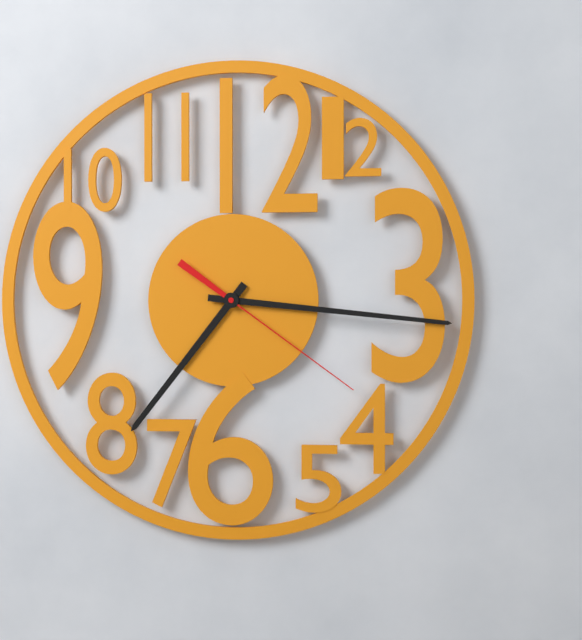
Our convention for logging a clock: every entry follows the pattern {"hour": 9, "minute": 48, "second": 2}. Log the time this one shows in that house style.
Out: {"hour": 7, "minute": 16, "second": 21}
